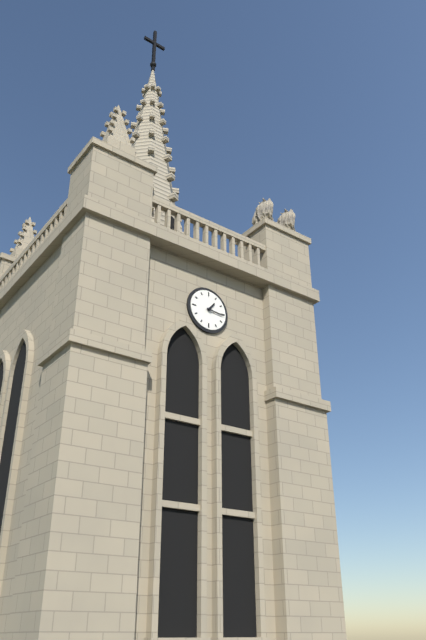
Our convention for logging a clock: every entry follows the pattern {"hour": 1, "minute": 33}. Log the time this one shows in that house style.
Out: {"hour": 1, "minute": 16}
